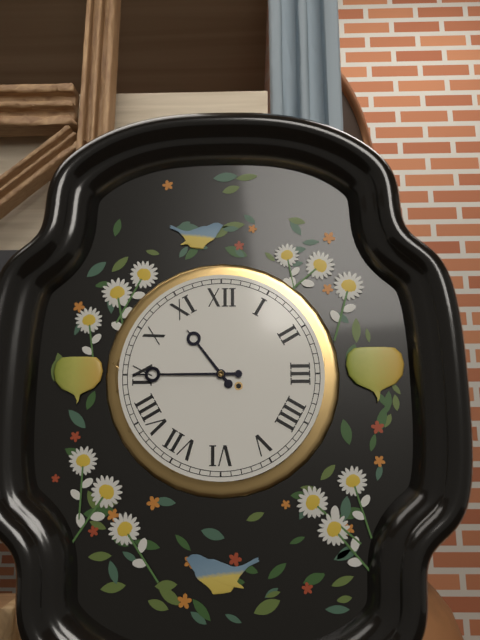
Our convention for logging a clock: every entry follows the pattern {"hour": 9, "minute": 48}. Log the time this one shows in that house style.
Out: {"hour": 10, "minute": 45}
